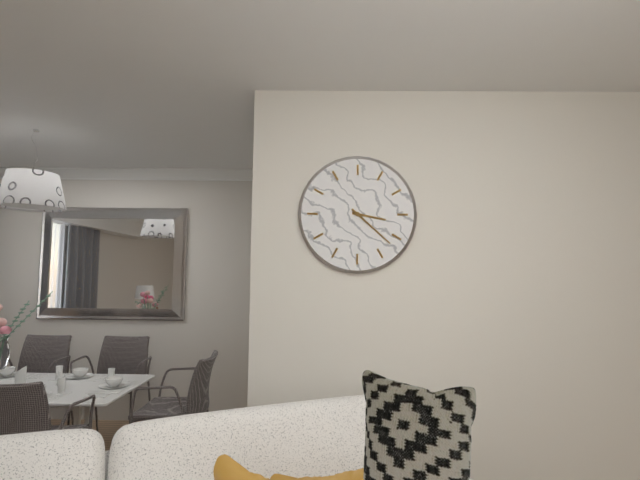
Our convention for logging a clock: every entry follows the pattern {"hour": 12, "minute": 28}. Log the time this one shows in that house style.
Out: {"hour": 3, "minute": 22}
